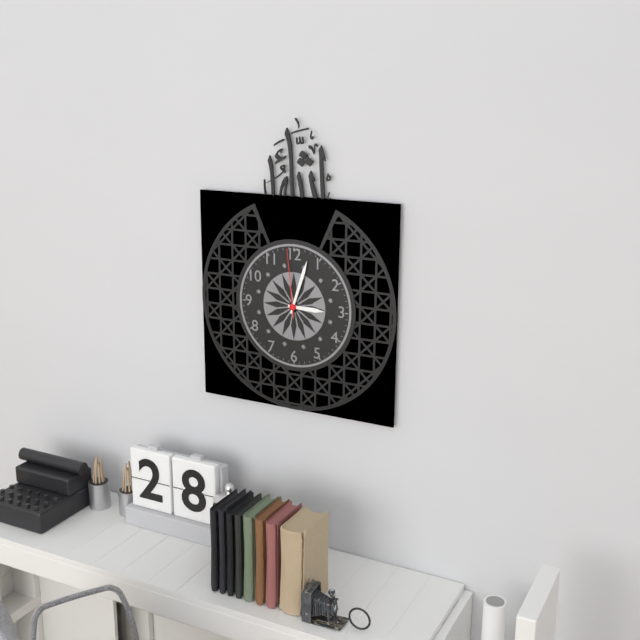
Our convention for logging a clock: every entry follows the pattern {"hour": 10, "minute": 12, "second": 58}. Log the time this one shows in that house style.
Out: {"hour": 3, "minute": 3, "second": 59}
